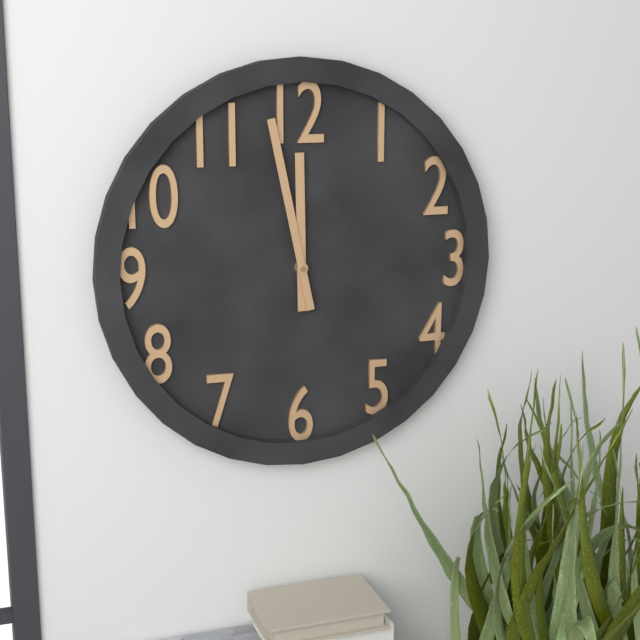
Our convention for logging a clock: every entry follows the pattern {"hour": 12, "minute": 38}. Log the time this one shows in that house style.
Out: {"hour": 11, "minute": 58}
